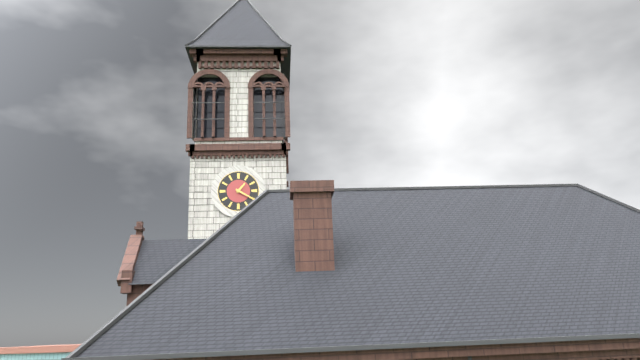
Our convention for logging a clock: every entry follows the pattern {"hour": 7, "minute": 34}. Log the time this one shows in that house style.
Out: {"hour": 1, "minute": 20}
